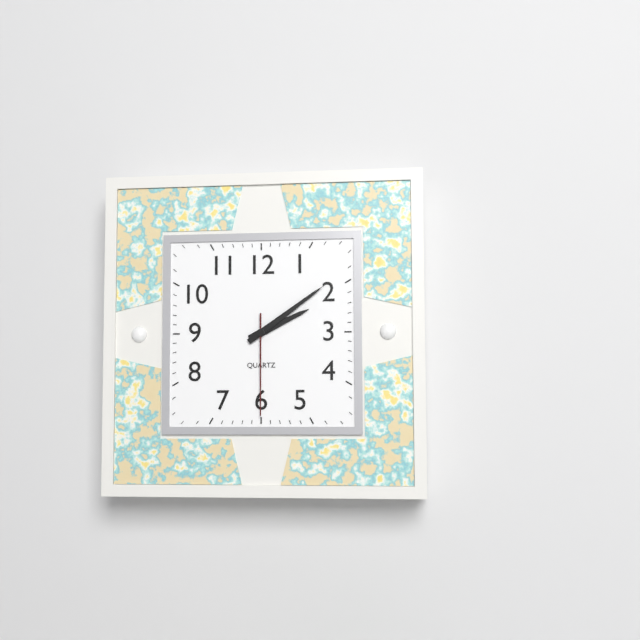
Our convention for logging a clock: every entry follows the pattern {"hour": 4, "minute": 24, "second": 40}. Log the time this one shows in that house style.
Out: {"hour": 2, "minute": 9, "second": 30}
